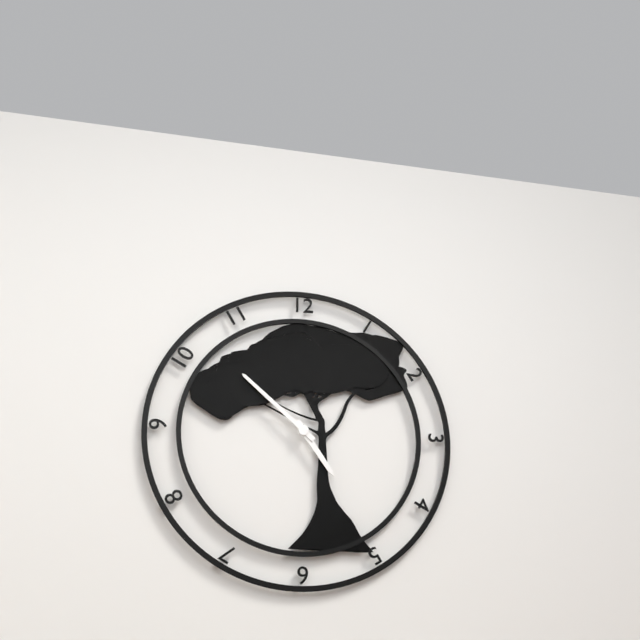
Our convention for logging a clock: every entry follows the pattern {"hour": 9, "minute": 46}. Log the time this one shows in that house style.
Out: {"hour": 4, "minute": 52}
